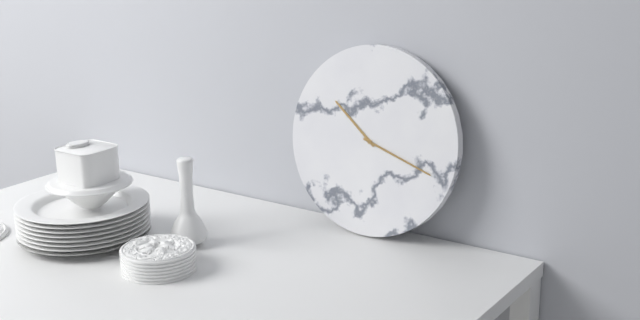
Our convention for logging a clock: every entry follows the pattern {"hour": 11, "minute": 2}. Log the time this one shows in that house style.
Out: {"hour": 10, "minute": 18}
